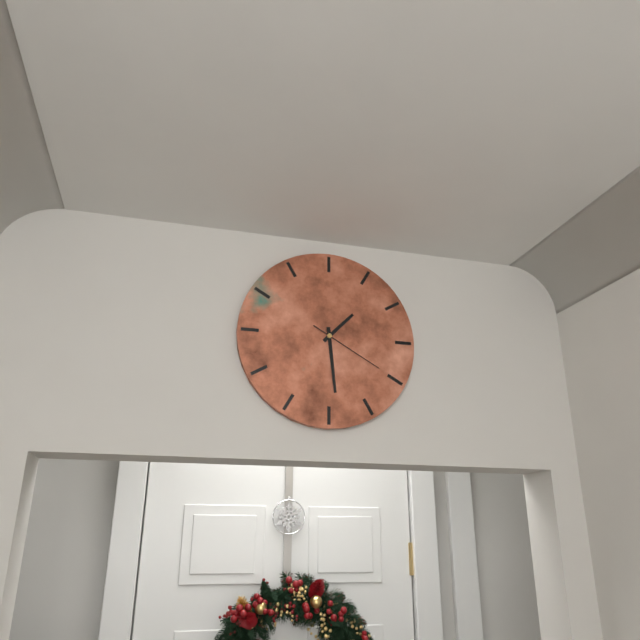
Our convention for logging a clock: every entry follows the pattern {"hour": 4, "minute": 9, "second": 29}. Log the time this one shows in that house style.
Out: {"hour": 1, "minute": 29, "second": 20}
